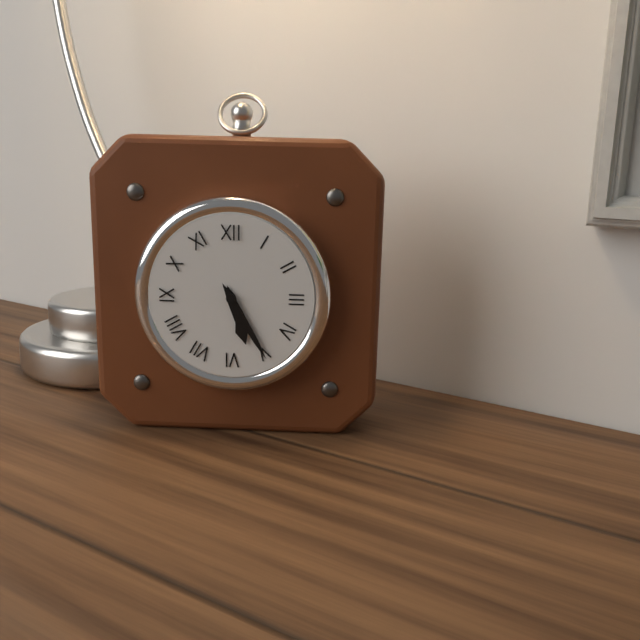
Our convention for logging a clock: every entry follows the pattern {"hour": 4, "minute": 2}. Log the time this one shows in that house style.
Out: {"hour": 5, "minute": 25}
